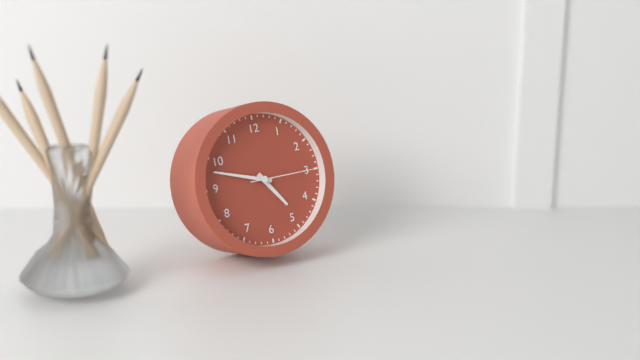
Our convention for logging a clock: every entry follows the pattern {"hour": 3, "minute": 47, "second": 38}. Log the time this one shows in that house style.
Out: {"hour": 4, "minute": 48, "second": 15}
